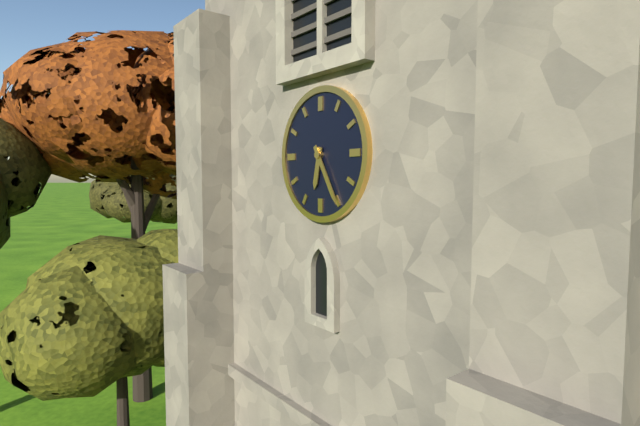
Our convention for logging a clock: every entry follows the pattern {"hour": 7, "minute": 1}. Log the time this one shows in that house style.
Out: {"hour": 6, "minute": 25}
